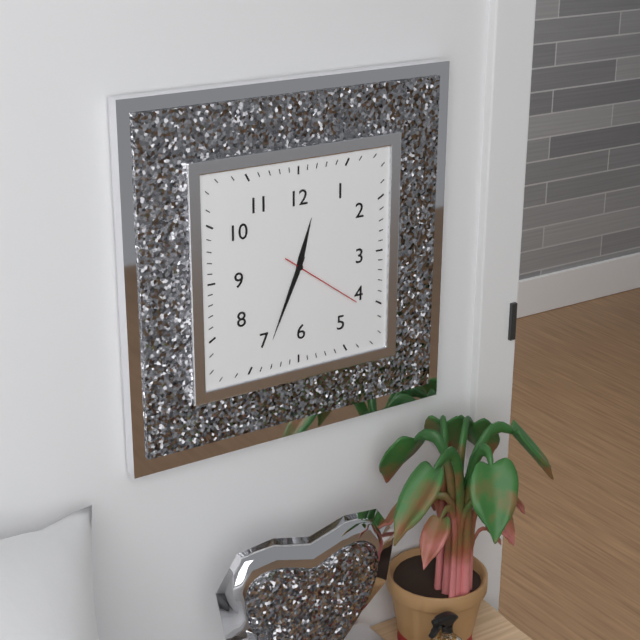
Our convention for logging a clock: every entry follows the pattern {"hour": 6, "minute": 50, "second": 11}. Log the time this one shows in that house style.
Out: {"hour": 12, "minute": 34, "second": 21}
